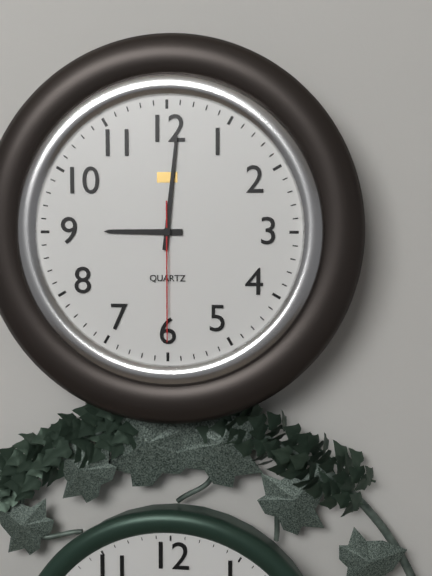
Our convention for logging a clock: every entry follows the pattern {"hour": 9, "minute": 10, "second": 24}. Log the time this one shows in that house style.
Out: {"hour": 9, "minute": 1, "second": 30}
